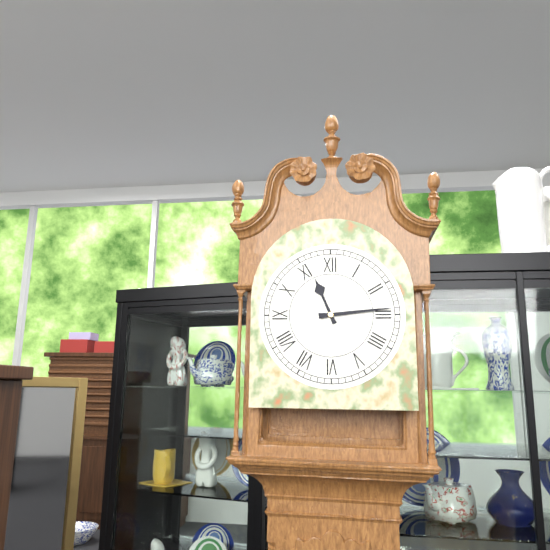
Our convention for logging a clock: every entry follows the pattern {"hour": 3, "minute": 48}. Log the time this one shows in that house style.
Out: {"hour": 11, "minute": 14}
